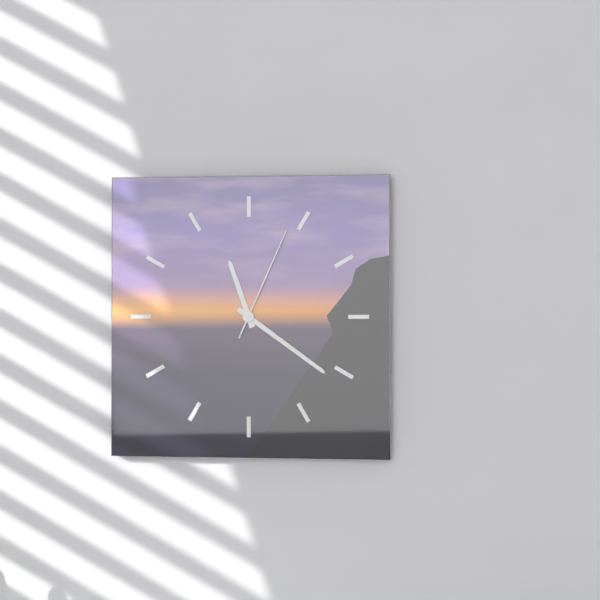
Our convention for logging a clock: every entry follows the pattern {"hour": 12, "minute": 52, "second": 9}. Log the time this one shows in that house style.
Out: {"hour": 11, "minute": 21, "second": 4}
